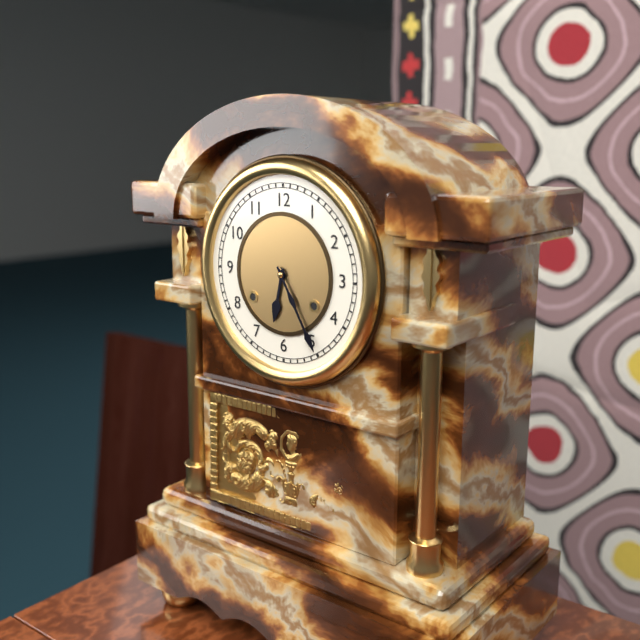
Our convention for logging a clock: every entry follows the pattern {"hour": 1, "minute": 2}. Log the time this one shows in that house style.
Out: {"hour": 6, "minute": 25}
